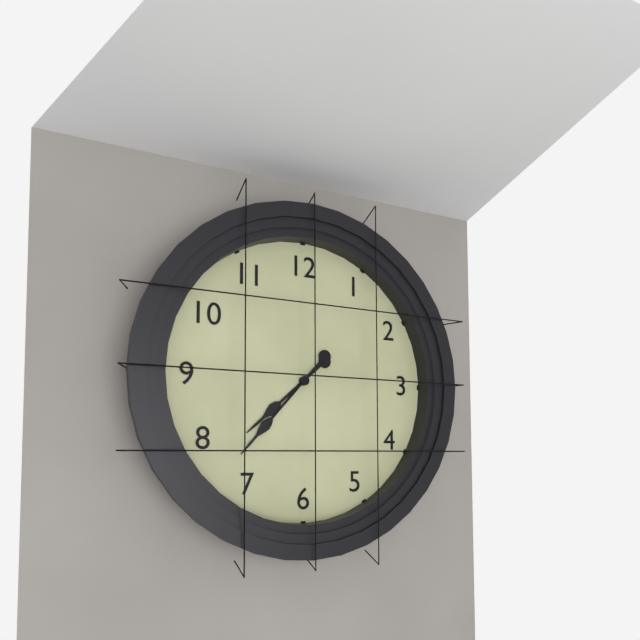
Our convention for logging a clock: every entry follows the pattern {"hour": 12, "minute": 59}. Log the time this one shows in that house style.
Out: {"hour": 7, "minute": 37}
